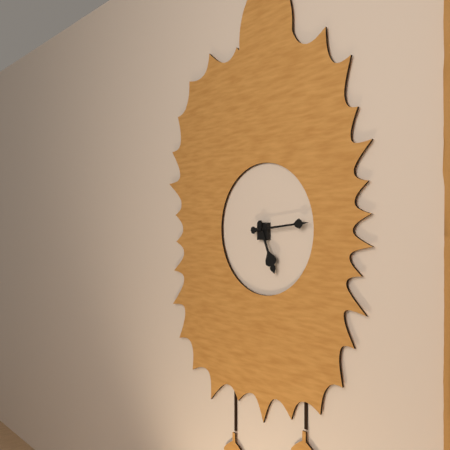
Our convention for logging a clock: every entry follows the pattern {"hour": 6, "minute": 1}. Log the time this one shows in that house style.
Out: {"hour": 5, "minute": 14}
